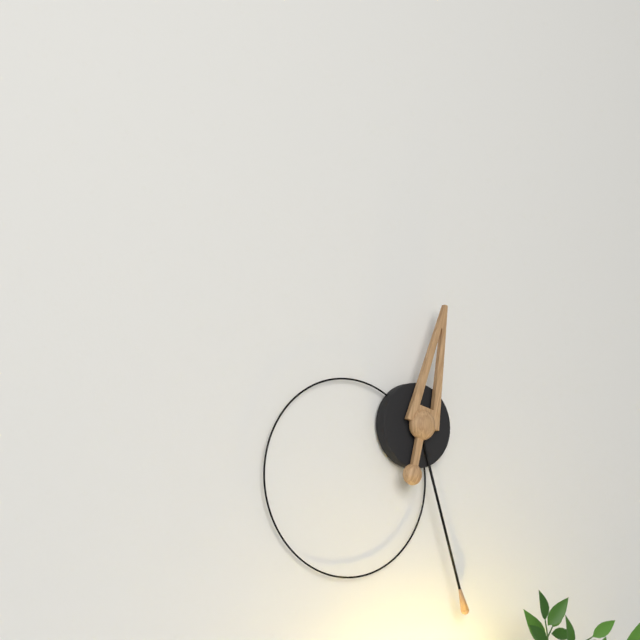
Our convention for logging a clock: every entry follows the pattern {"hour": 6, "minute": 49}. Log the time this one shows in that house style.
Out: {"hour": 12, "minute": 27}
